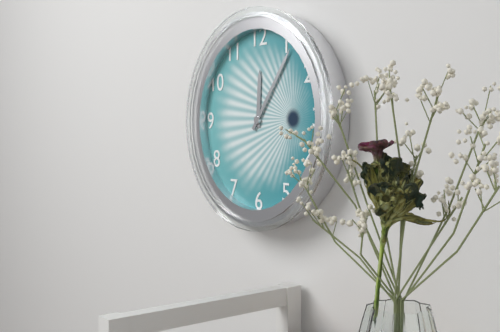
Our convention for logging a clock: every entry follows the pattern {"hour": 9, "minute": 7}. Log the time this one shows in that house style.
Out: {"hour": 12, "minute": 6}
